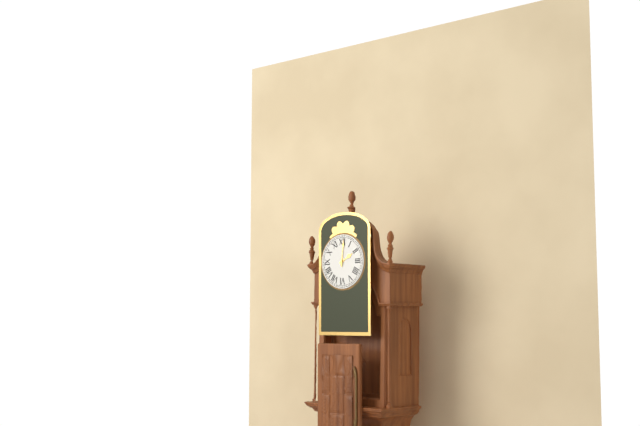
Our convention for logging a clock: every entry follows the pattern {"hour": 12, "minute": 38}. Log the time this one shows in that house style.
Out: {"hour": 2, "minute": 1}
